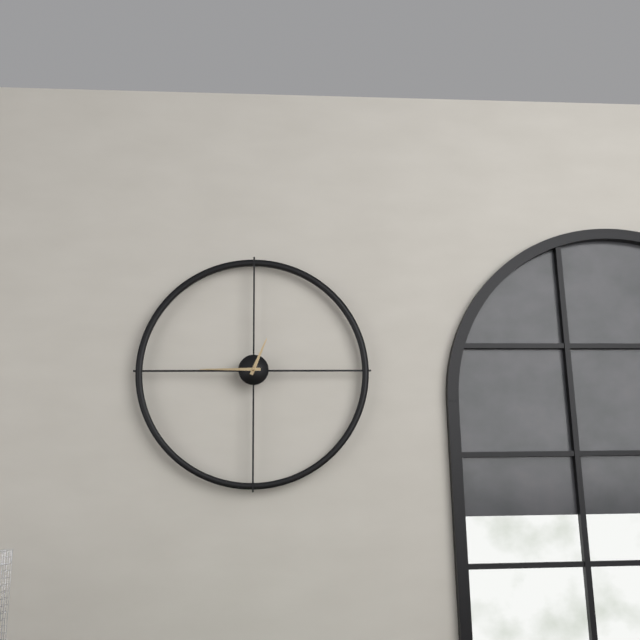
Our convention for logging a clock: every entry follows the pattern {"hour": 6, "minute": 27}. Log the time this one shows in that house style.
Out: {"hour": 12, "minute": 45}
